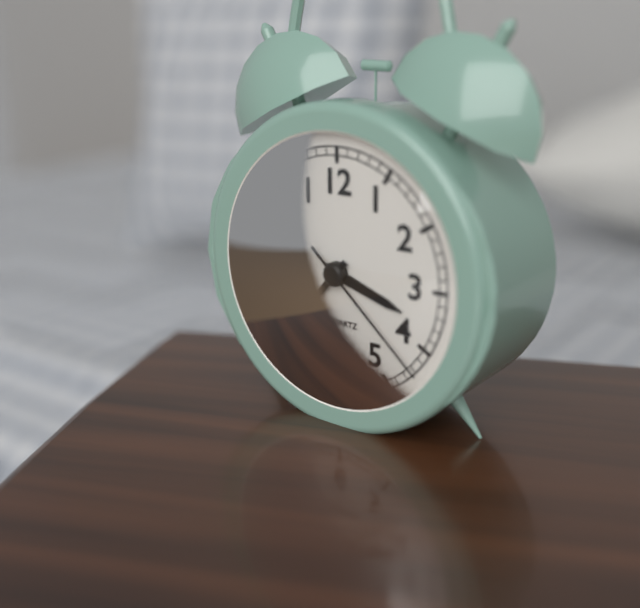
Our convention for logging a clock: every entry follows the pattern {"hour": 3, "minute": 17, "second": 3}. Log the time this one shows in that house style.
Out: {"hour": 3, "minute": 37, "second": 22}
